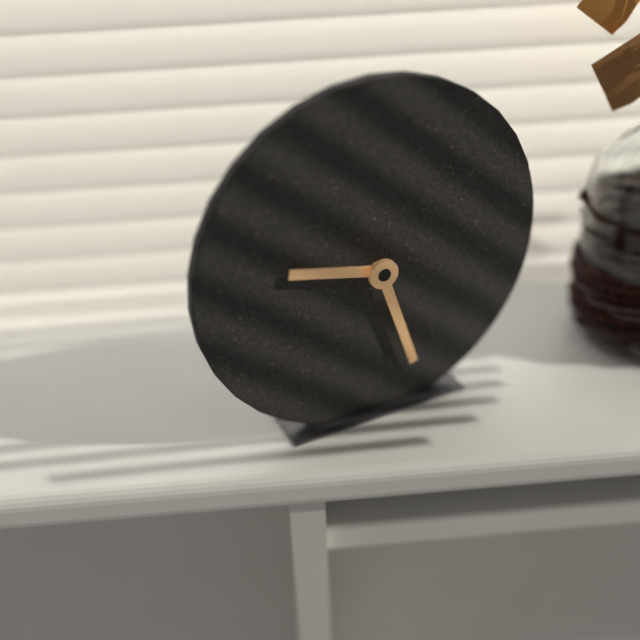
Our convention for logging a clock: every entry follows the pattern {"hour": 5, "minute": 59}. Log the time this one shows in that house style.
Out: {"hour": 9, "minute": 27}
